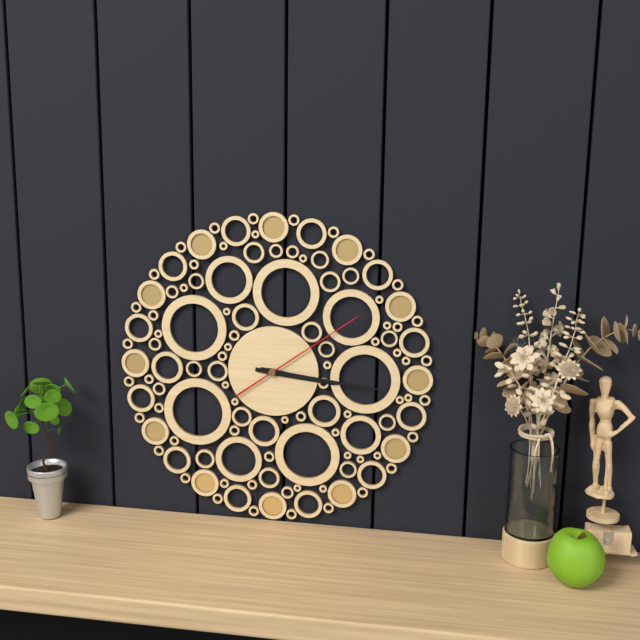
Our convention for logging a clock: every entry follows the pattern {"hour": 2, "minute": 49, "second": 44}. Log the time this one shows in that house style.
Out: {"hour": 3, "minute": 16, "second": 9}
